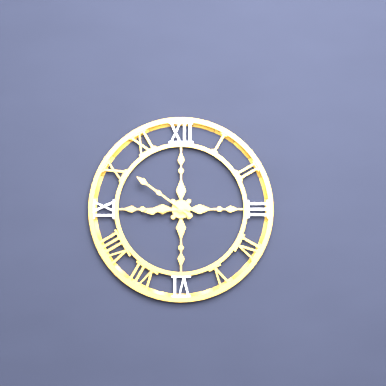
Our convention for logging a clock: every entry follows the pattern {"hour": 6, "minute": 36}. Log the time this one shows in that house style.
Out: {"hour": 8, "minute": 51}
